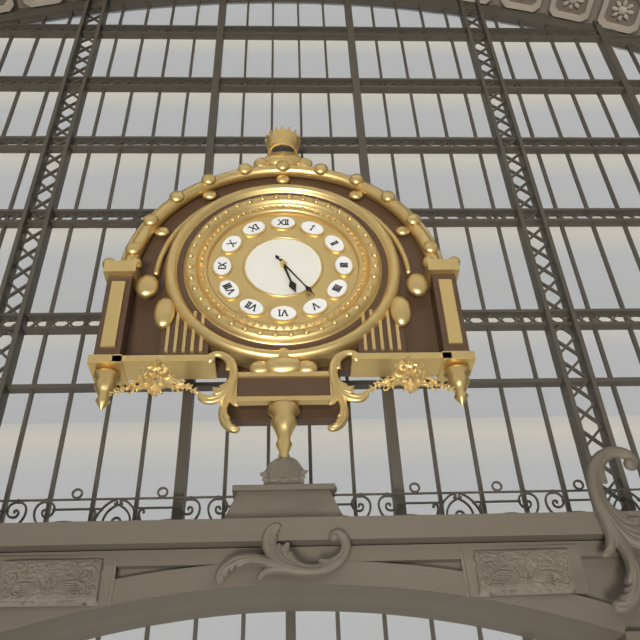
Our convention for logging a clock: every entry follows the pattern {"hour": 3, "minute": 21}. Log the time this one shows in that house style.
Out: {"hour": 5, "minute": 24}
